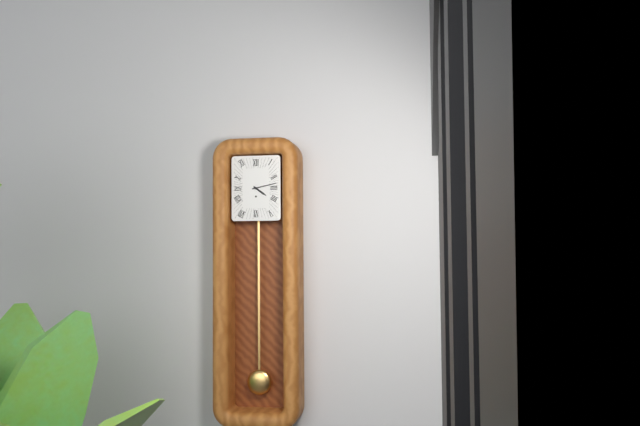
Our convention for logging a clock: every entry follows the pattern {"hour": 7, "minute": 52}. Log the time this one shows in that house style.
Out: {"hour": 4, "minute": 13}
